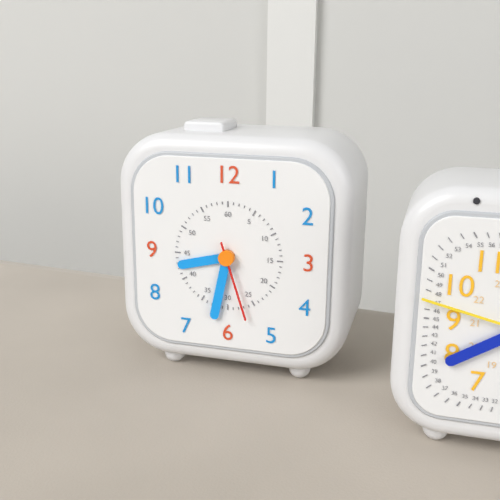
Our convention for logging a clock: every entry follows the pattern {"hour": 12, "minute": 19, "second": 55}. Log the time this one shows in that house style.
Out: {"hour": 8, "minute": 32, "second": 27}
